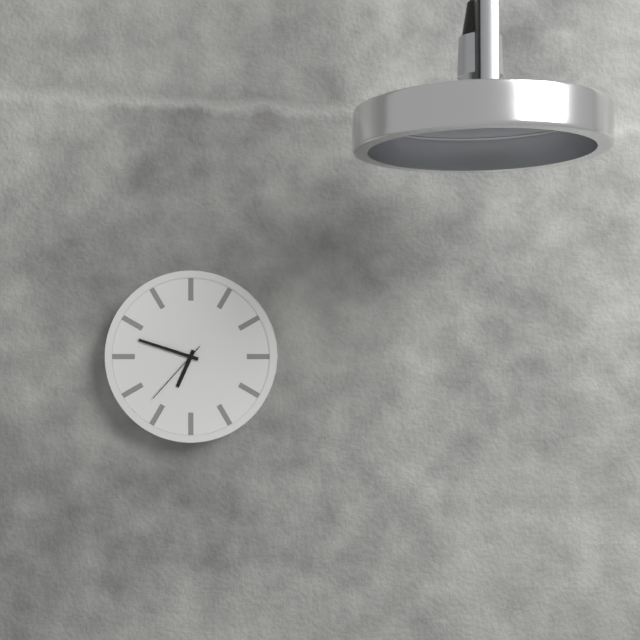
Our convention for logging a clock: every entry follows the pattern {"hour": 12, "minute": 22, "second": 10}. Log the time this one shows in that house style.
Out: {"hour": 6, "minute": 48, "second": 37}
